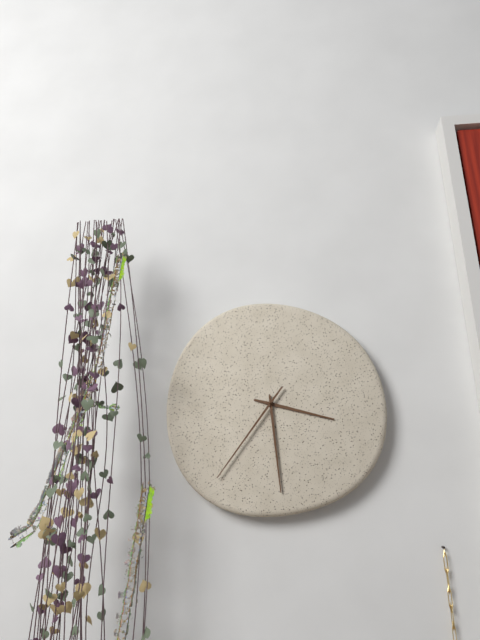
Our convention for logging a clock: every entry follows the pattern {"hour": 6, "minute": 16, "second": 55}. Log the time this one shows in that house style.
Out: {"hour": 3, "minute": 29, "second": 36}
